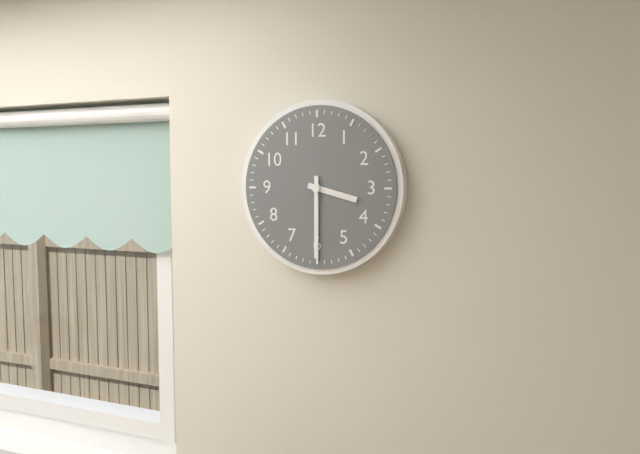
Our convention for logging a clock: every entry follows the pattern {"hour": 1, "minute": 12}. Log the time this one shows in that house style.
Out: {"hour": 3, "minute": 30}
